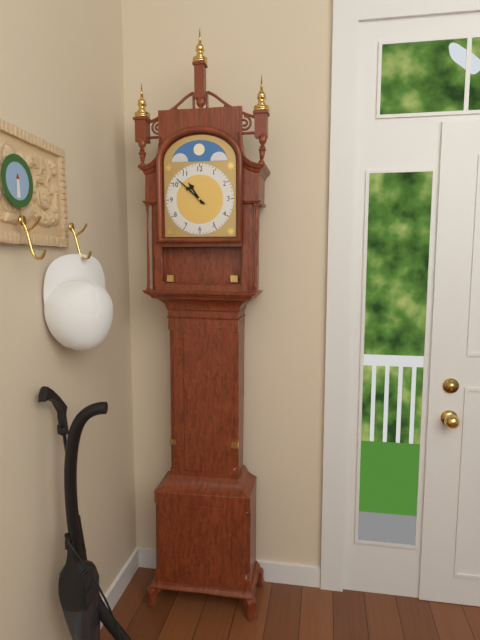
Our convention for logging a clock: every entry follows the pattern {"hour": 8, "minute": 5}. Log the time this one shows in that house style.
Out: {"hour": 10, "minute": 52}
